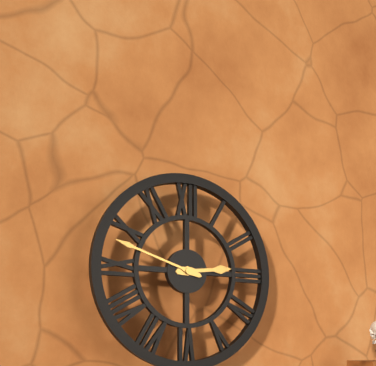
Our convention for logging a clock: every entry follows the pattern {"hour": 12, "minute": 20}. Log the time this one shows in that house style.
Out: {"hour": 2, "minute": 48}
